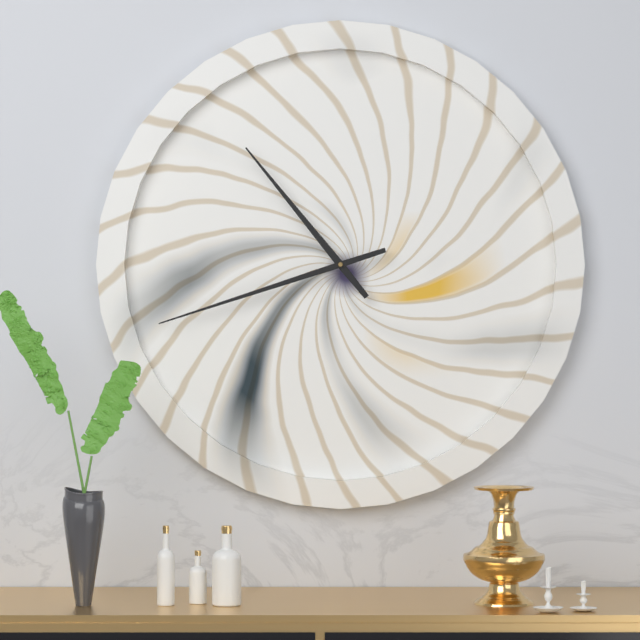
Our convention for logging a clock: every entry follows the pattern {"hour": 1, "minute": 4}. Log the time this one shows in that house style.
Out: {"hour": 10, "minute": 42}
